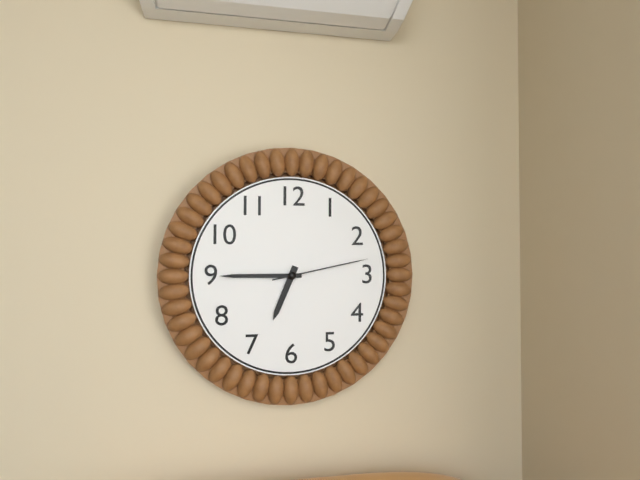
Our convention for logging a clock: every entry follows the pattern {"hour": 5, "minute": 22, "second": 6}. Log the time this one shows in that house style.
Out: {"hour": 6, "minute": 45, "second": 13}
